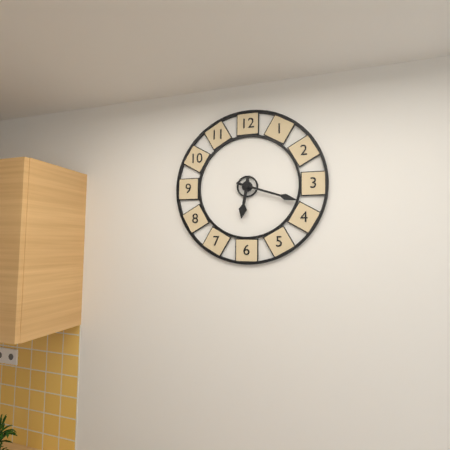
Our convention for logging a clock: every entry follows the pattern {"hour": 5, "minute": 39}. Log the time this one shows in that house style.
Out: {"hour": 6, "minute": 18}
